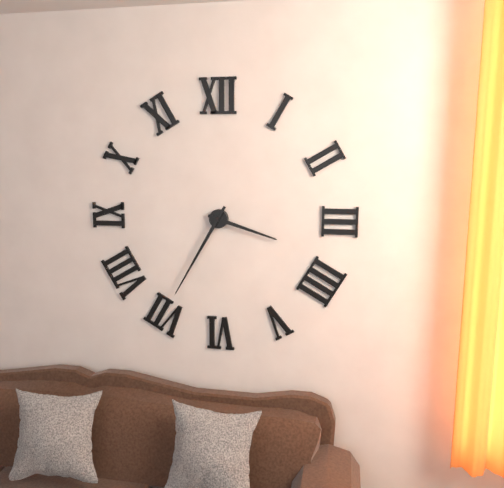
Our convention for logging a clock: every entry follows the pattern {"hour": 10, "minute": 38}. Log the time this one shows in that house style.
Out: {"hour": 3, "minute": 35}
